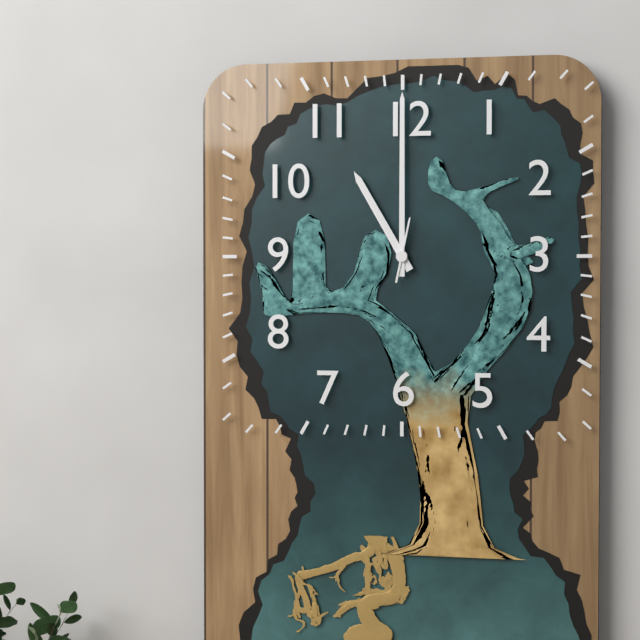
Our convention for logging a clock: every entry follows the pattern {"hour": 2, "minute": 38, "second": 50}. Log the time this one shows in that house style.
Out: {"hour": 11, "minute": 0, "second": 2}
